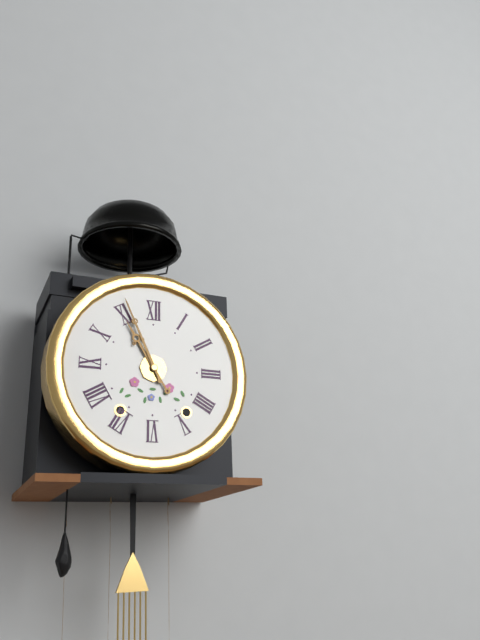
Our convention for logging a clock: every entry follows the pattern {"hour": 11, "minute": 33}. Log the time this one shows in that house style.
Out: {"hour": 10, "minute": 56}
